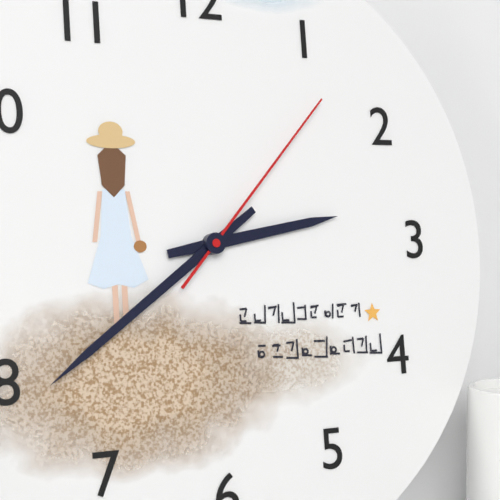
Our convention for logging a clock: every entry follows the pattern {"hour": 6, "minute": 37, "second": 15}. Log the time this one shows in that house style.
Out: {"hour": 2, "minute": 39, "second": 7}
